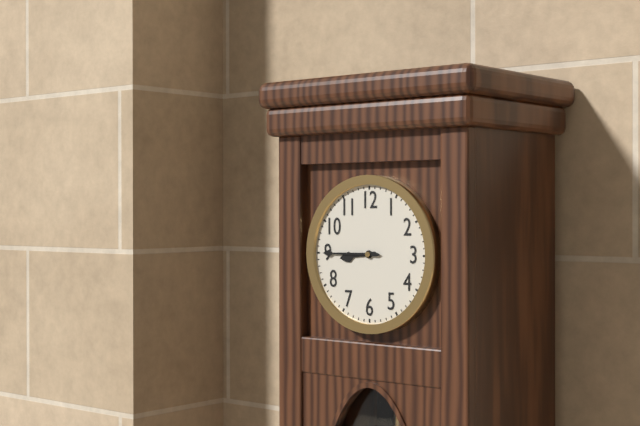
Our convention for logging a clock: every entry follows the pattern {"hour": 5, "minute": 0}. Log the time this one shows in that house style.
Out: {"hour": 8, "minute": 45}
